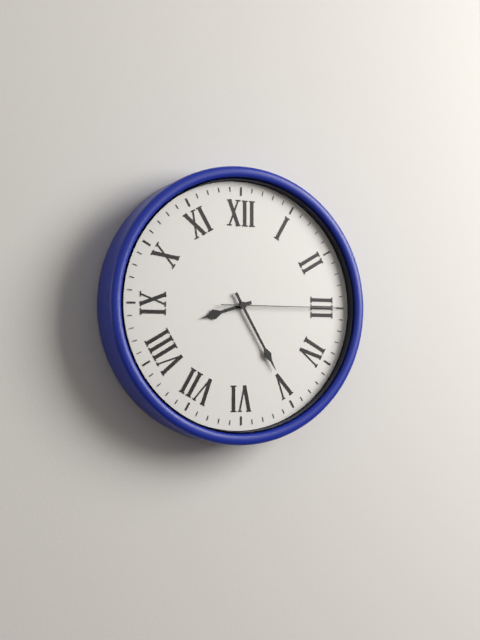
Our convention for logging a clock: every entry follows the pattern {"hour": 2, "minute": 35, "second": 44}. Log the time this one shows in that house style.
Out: {"hour": 8, "minute": 25, "second": 15}
